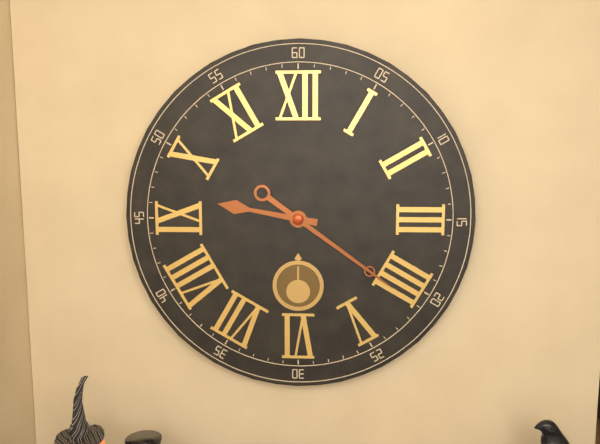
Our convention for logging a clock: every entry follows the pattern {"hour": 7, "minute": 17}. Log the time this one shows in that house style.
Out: {"hour": 9, "minute": 21}
